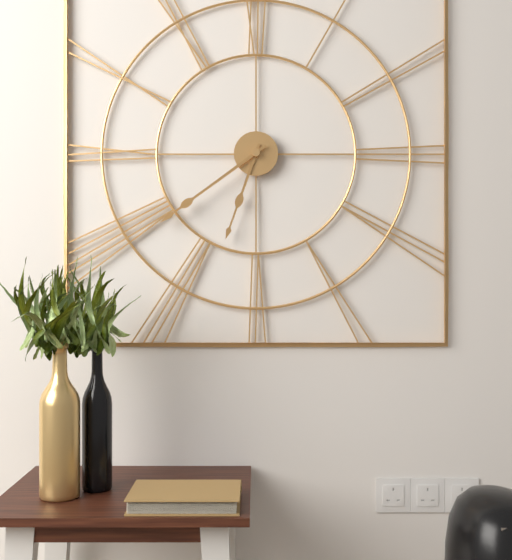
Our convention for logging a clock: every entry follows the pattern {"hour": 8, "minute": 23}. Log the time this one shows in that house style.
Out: {"hour": 6, "minute": 39}
